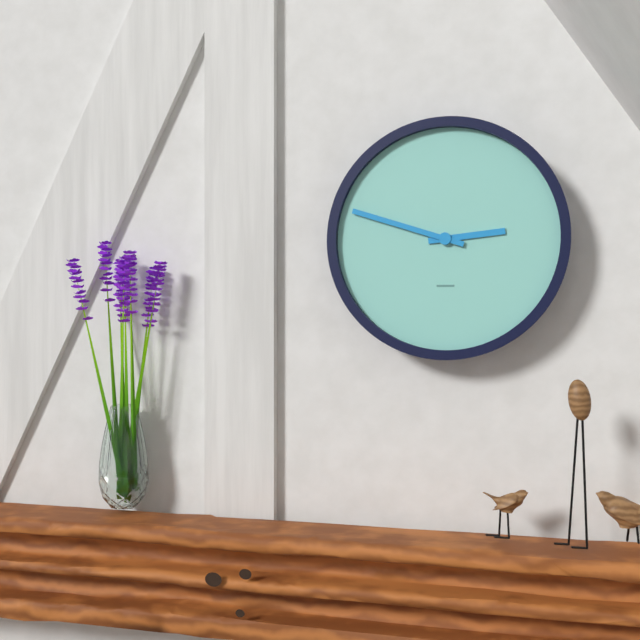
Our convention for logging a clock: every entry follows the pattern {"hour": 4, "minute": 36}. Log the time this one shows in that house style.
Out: {"hour": 2, "minute": 48}
